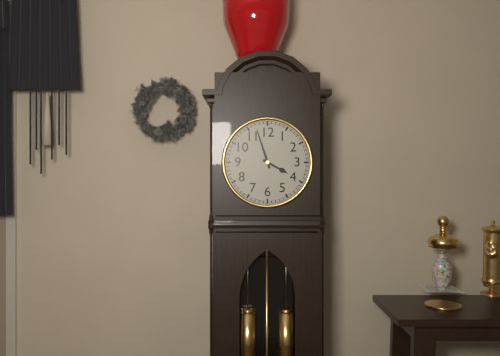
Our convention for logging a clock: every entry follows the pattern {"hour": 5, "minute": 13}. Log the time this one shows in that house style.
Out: {"hour": 3, "minute": 57}
